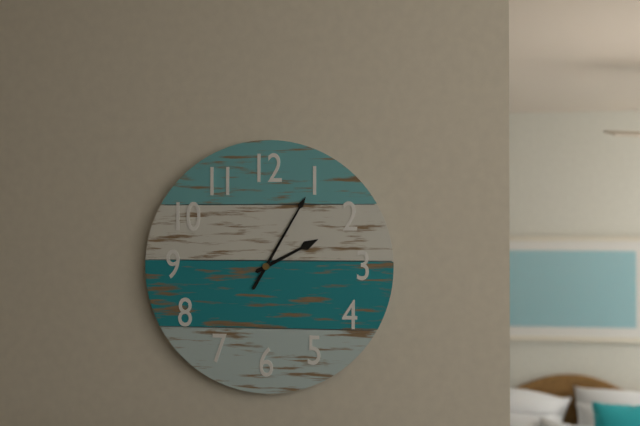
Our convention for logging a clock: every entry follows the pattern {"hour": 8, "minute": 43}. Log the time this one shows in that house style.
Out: {"hour": 2, "minute": 5}
